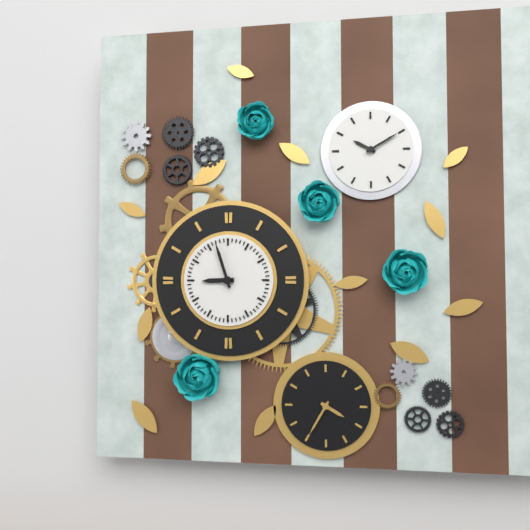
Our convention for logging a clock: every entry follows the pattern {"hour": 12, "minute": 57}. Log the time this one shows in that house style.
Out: {"hour": 8, "minute": 57}
